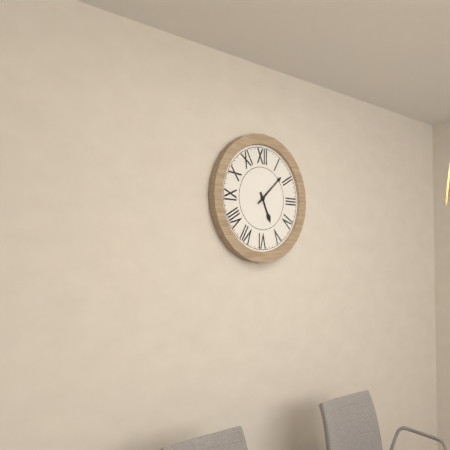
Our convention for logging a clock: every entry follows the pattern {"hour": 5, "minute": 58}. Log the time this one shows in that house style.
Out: {"hour": 5, "minute": 8}
